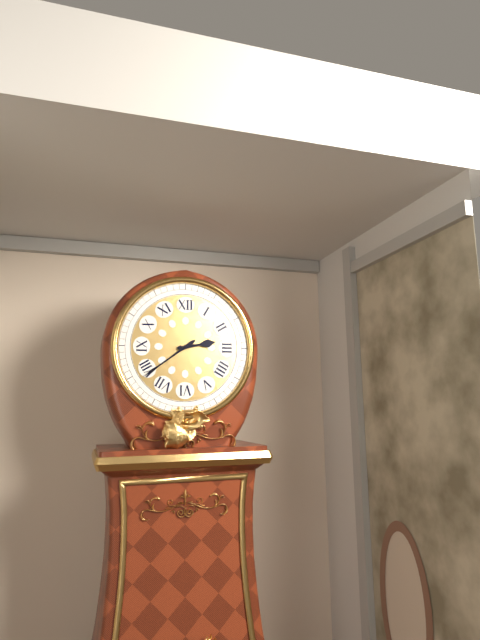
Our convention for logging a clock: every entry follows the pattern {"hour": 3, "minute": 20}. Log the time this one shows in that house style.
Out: {"hour": 2, "minute": 39}
